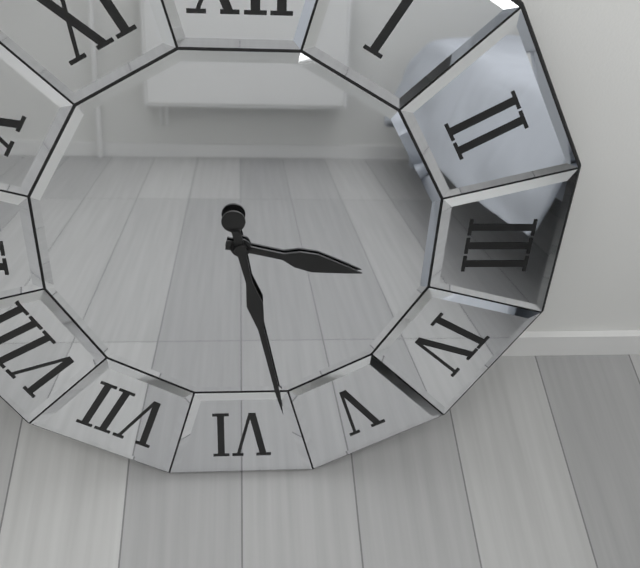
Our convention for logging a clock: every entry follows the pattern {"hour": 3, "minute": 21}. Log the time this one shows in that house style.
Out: {"hour": 3, "minute": 28}
